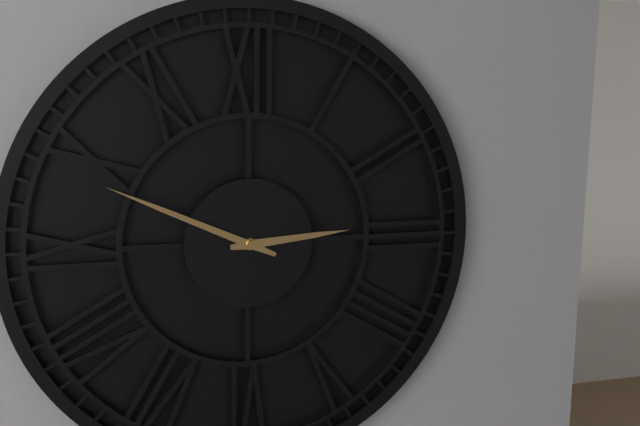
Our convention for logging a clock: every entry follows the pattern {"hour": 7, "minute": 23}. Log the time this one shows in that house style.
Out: {"hour": 2, "minute": 49}
